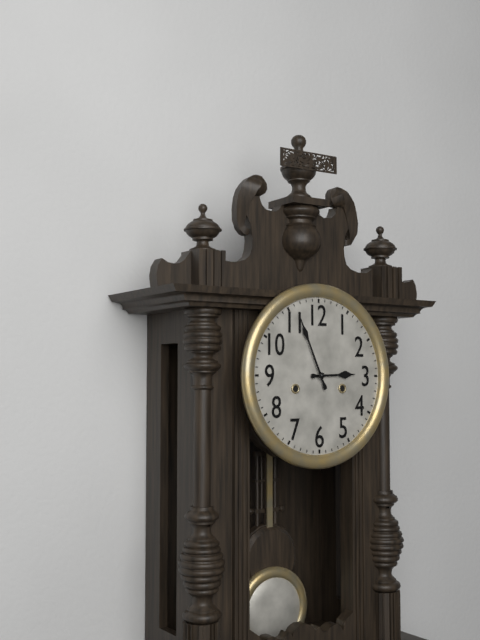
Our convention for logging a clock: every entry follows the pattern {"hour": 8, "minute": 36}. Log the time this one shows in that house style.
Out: {"hour": 2, "minute": 56}
